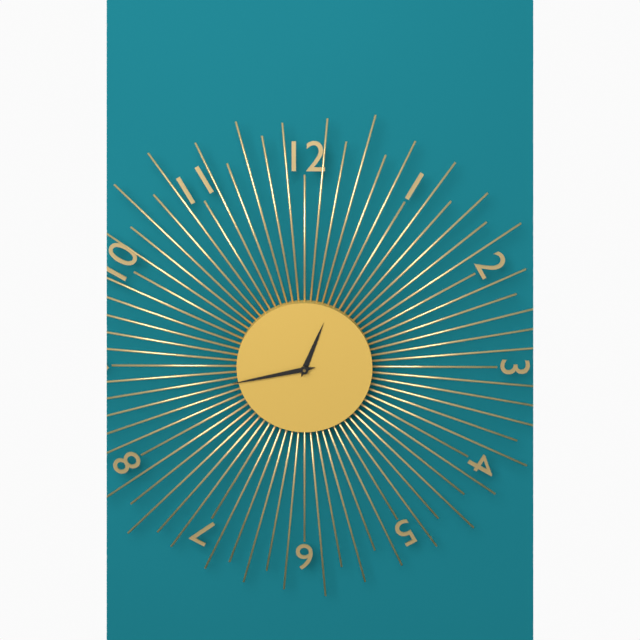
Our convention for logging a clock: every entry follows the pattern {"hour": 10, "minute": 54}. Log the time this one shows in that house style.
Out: {"hour": 12, "minute": 43}
